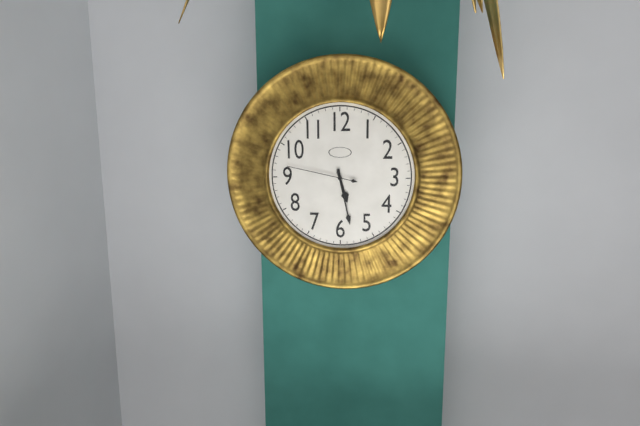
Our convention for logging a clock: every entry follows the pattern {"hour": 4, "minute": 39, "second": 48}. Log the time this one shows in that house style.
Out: {"hour": 5, "minute": 28, "second": 47}
